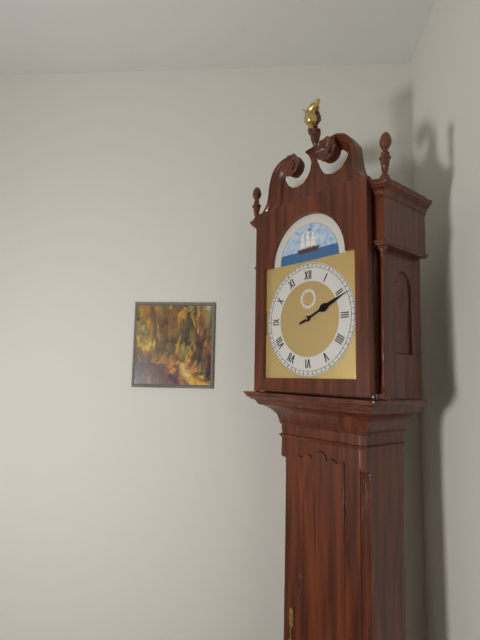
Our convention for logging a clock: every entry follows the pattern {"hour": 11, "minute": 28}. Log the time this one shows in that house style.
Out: {"hour": 2, "minute": 11}
